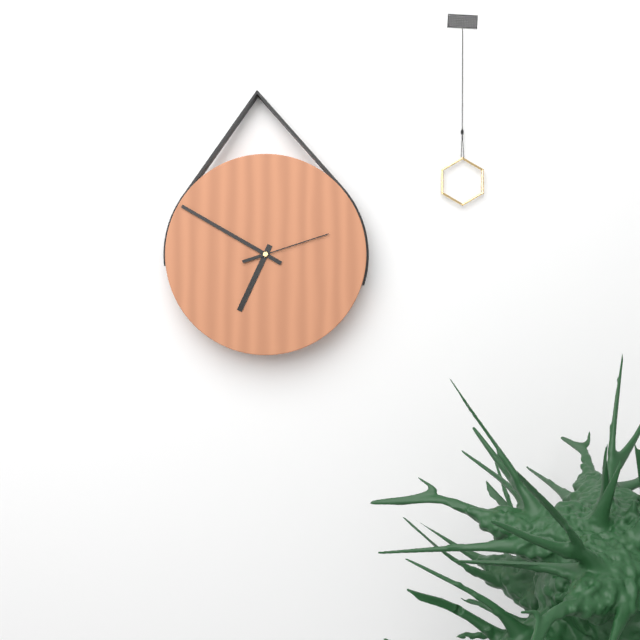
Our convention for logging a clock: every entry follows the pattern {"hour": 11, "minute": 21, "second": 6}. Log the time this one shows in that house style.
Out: {"hour": 6, "minute": 50, "second": 12}
